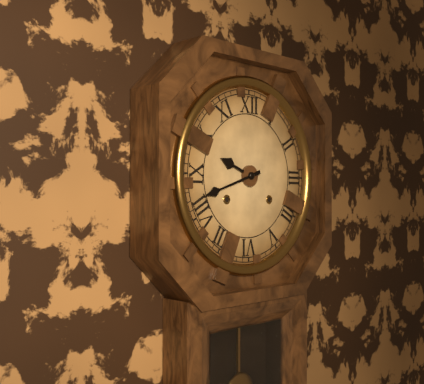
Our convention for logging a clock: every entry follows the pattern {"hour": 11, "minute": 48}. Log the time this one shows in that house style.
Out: {"hour": 9, "minute": 42}
